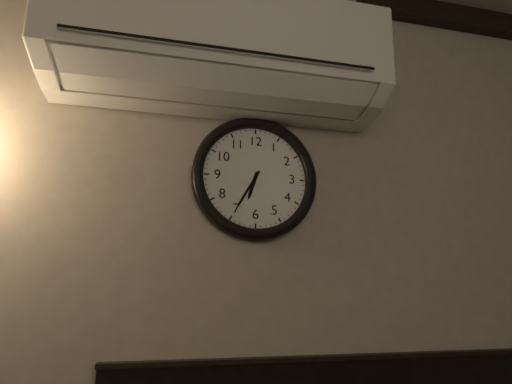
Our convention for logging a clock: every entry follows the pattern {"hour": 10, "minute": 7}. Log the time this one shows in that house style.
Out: {"hour": 6, "minute": 35}
